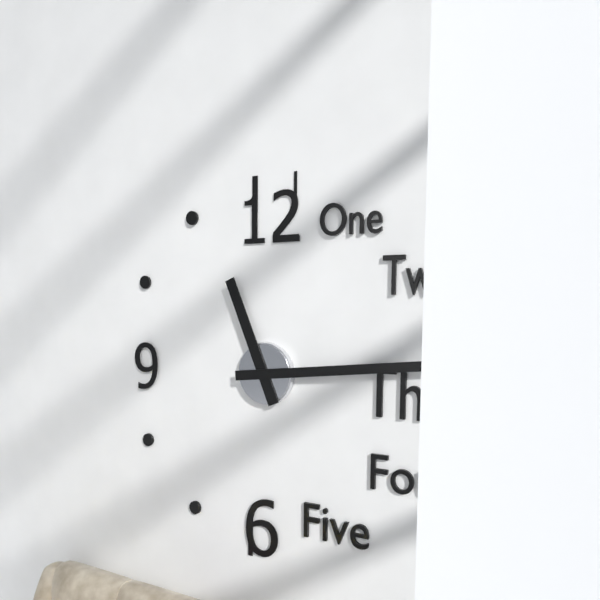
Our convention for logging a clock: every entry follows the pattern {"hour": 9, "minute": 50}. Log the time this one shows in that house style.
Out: {"hour": 11, "minute": 14}
